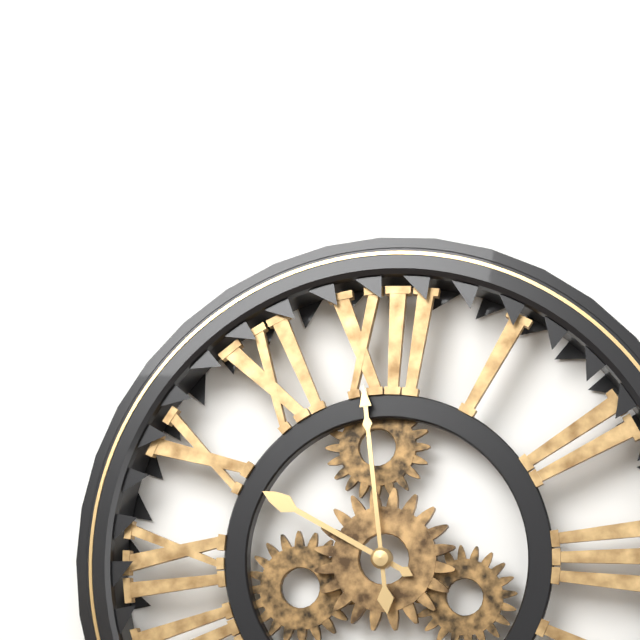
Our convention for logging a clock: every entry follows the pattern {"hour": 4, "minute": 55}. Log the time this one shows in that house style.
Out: {"hour": 9, "minute": 59}
